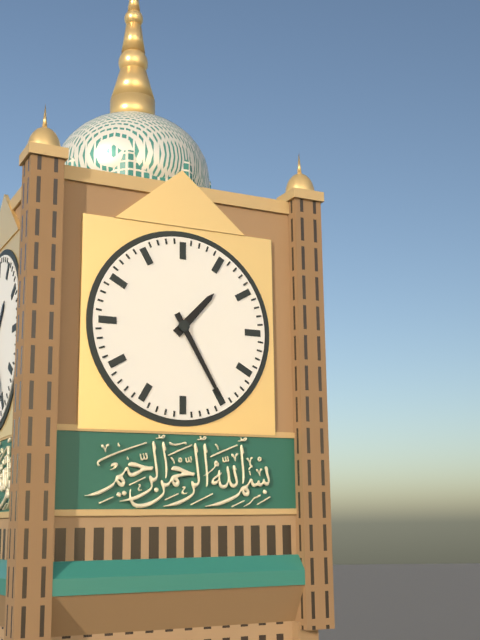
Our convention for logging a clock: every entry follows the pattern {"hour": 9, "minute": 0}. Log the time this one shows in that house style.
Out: {"hour": 1, "minute": 25}
